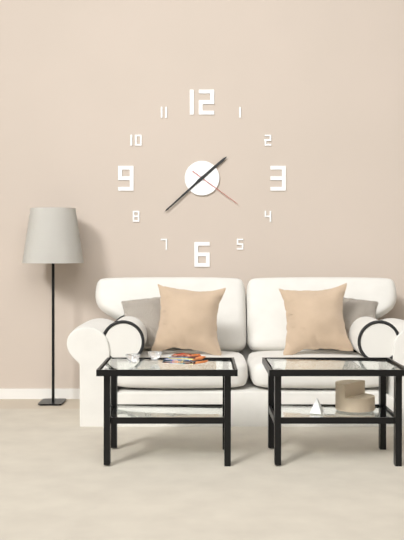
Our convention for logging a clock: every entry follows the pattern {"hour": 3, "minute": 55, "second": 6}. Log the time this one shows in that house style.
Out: {"hour": 1, "minute": 38, "second": 21}
